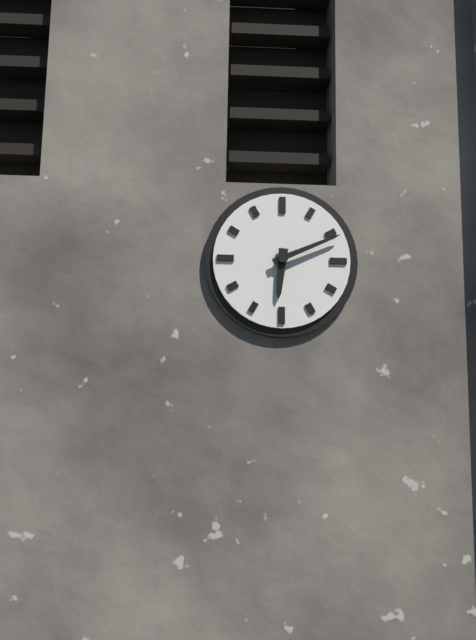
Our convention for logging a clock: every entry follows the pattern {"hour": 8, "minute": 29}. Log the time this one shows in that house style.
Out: {"hour": 6, "minute": 11}
